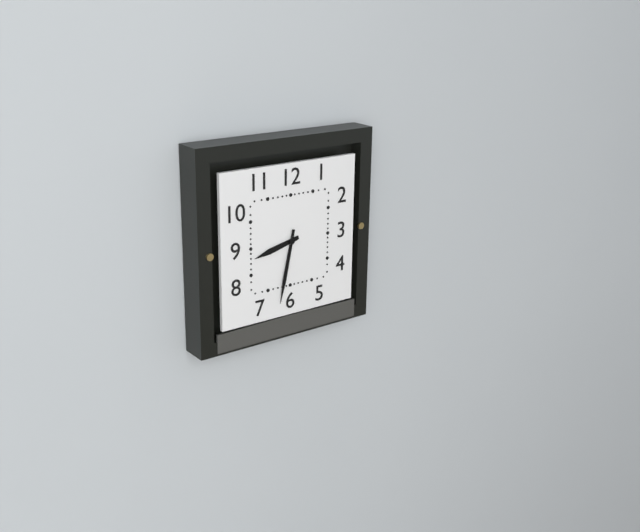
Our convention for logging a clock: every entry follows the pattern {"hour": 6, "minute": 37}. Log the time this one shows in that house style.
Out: {"hour": 8, "minute": 32}
